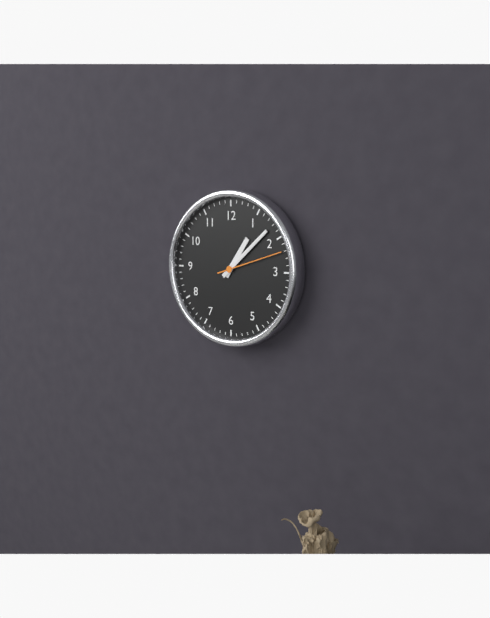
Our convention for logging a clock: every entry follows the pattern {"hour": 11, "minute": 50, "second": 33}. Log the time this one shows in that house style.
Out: {"hour": 1, "minute": 8, "second": 12}
